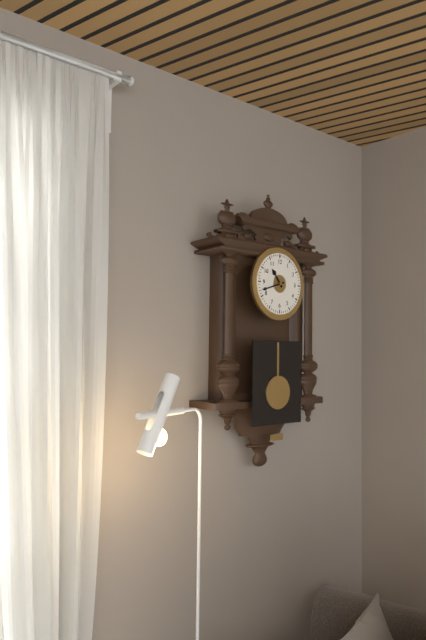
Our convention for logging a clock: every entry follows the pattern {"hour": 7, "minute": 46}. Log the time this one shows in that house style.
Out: {"hour": 10, "minute": 42}
